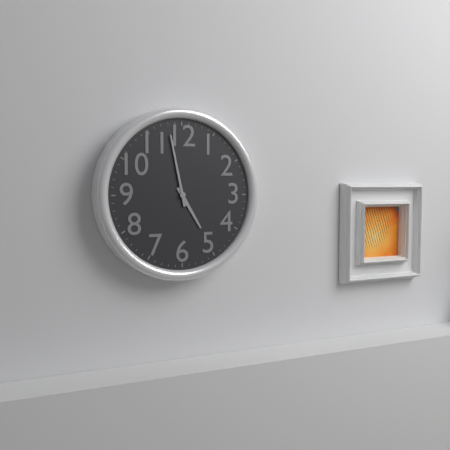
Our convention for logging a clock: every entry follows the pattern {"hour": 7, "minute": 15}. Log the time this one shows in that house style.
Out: {"hour": 4, "minute": 58}
